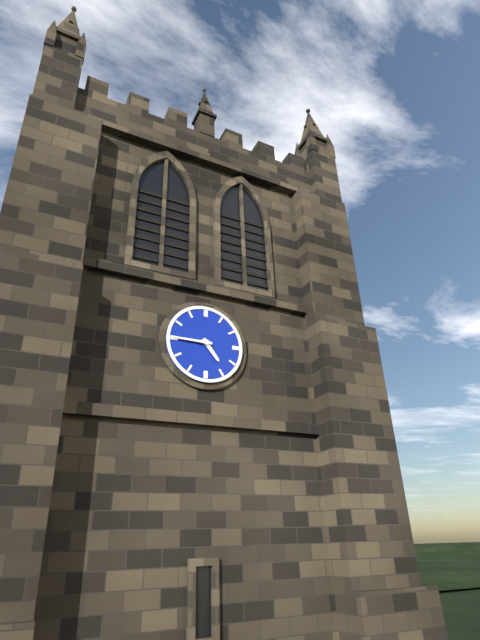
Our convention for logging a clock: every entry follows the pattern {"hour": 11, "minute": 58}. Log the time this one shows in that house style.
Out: {"hour": 4, "minute": 45}
